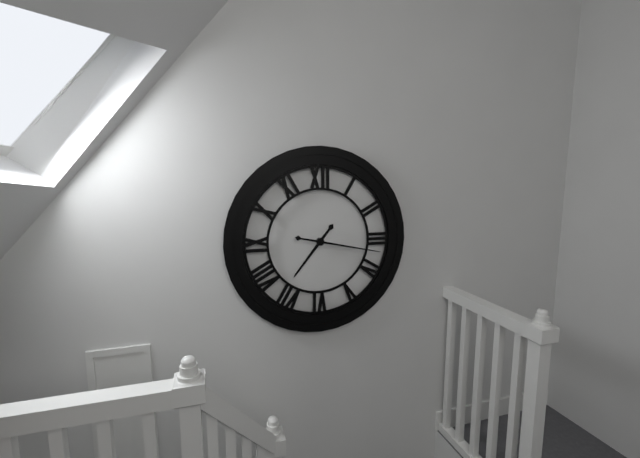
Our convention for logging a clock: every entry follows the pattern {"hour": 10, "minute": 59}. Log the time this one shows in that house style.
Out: {"hour": 7, "minute": 17}
